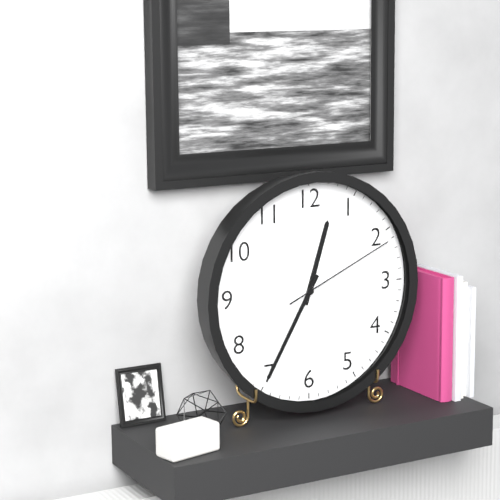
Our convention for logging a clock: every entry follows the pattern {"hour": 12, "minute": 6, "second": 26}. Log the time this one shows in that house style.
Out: {"hour": 12, "minute": 35, "second": 11}
